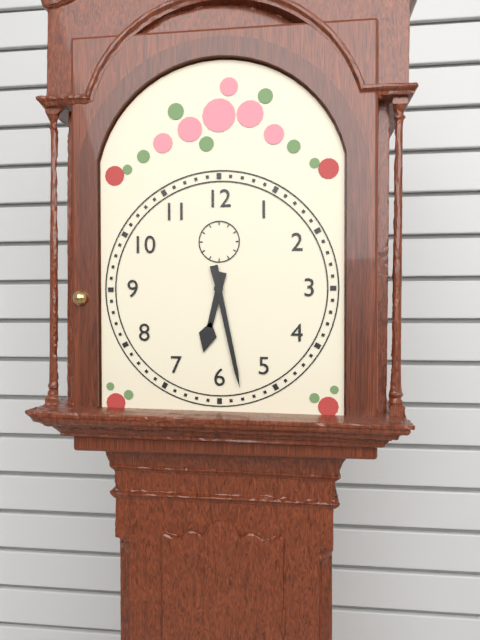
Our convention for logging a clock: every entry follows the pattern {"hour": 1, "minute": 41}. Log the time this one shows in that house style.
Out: {"hour": 6, "minute": 28}
